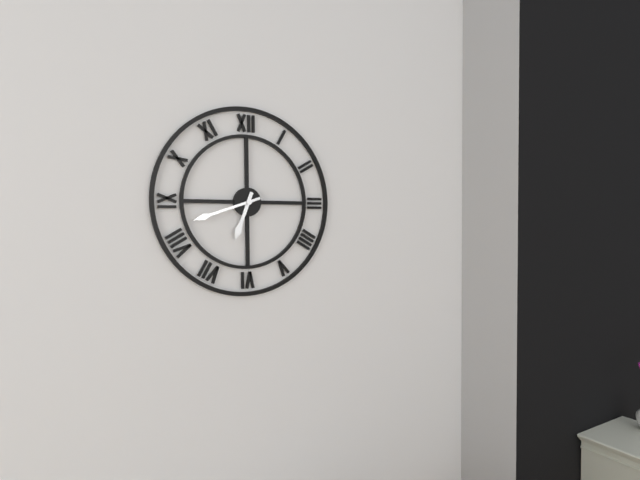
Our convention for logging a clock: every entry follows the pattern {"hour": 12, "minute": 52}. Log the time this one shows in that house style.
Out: {"hour": 6, "minute": 42}
